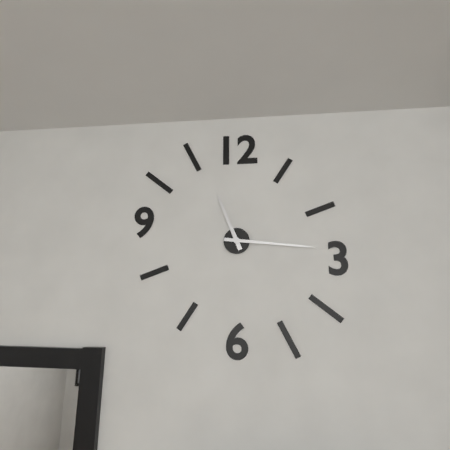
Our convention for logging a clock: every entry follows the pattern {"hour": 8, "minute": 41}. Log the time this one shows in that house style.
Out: {"hour": 11, "minute": 16}
